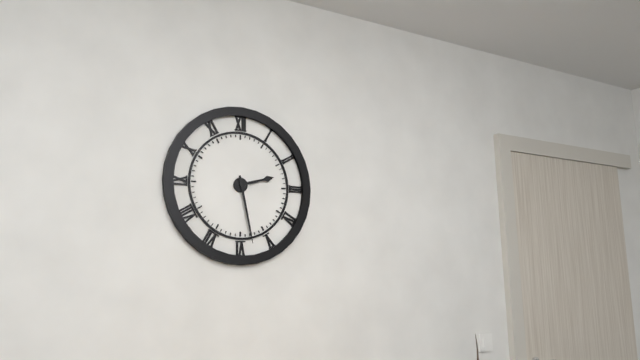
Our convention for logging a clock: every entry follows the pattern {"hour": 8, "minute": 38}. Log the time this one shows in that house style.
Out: {"hour": 2, "minute": 28}
